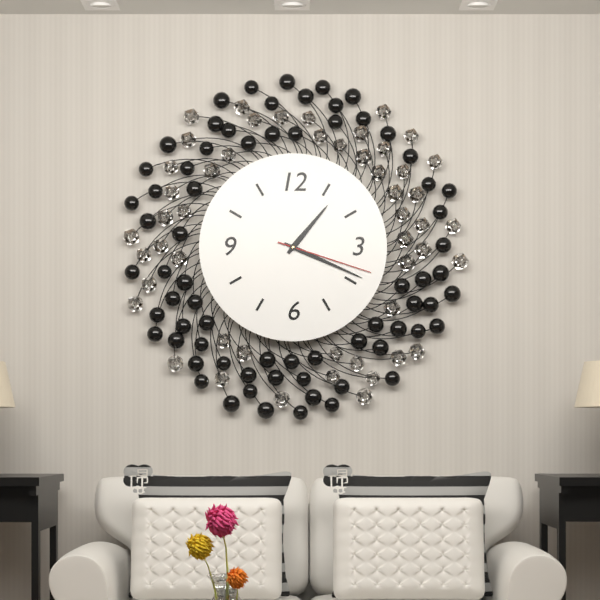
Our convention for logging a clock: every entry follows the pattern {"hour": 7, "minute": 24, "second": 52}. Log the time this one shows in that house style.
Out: {"hour": 1, "minute": 19, "second": 18}
